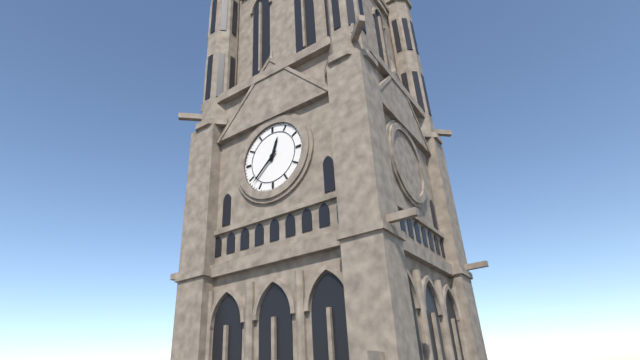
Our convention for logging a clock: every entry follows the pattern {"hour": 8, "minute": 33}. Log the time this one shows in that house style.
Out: {"hour": 12, "minute": 38}
